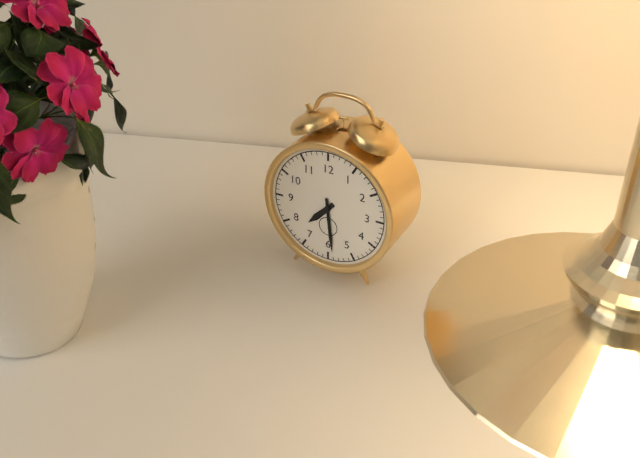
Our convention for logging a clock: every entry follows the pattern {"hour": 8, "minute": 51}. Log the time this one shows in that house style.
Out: {"hour": 7, "minute": 29}
